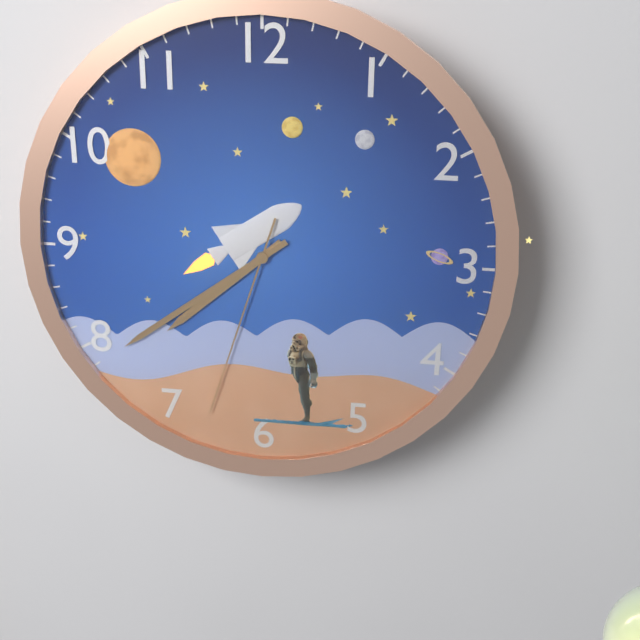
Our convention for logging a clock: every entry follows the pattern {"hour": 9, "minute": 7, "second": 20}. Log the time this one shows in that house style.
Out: {"hour": 7, "minute": 39, "second": 33}
